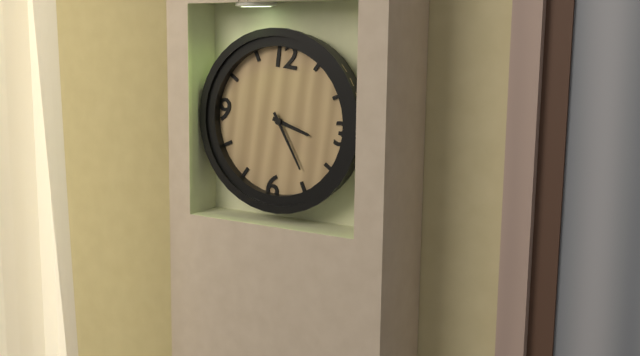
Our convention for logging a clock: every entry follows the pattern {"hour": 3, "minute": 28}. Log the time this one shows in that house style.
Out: {"hour": 3, "minute": 24}
